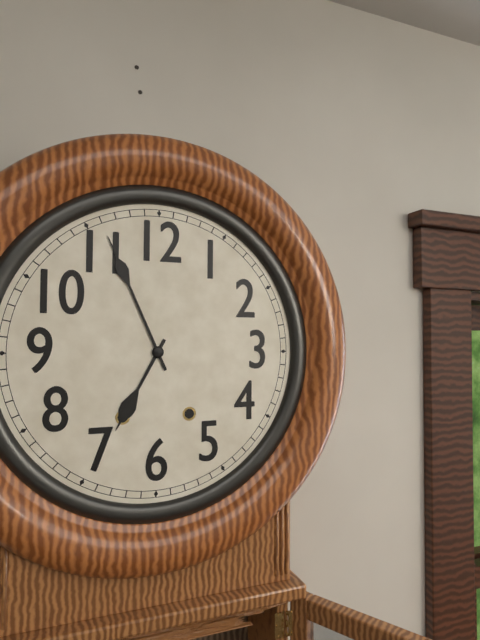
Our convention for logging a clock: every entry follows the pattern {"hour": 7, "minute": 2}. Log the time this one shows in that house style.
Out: {"hour": 6, "minute": 56}
